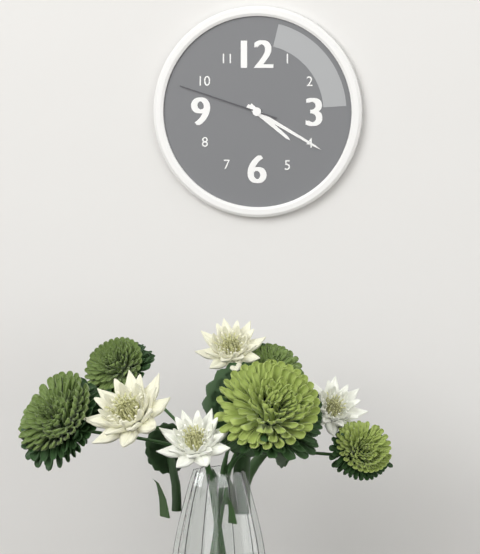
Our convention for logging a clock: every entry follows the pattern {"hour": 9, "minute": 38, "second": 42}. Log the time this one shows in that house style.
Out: {"hour": 4, "minute": 20, "second": 48}
